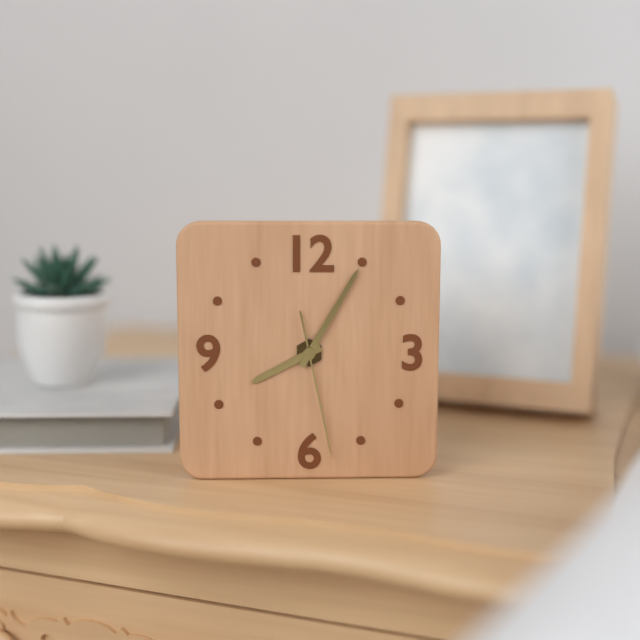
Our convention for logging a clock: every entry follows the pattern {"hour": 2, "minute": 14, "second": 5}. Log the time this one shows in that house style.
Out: {"hour": 8, "minute": 5, "second": 28}
